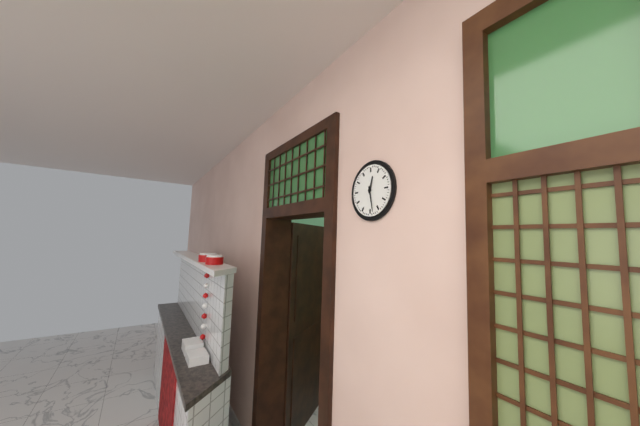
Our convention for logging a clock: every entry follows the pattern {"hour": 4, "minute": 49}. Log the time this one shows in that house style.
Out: {"hour": 12, "minute": 28}
